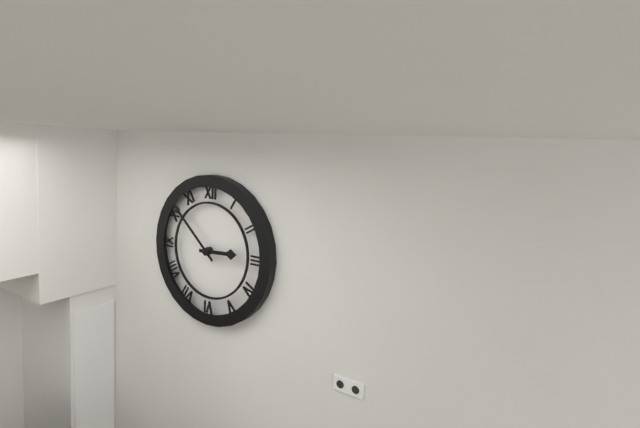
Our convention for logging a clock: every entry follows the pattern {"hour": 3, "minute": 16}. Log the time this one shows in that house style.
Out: {"hour": 2, "minute": 52}
